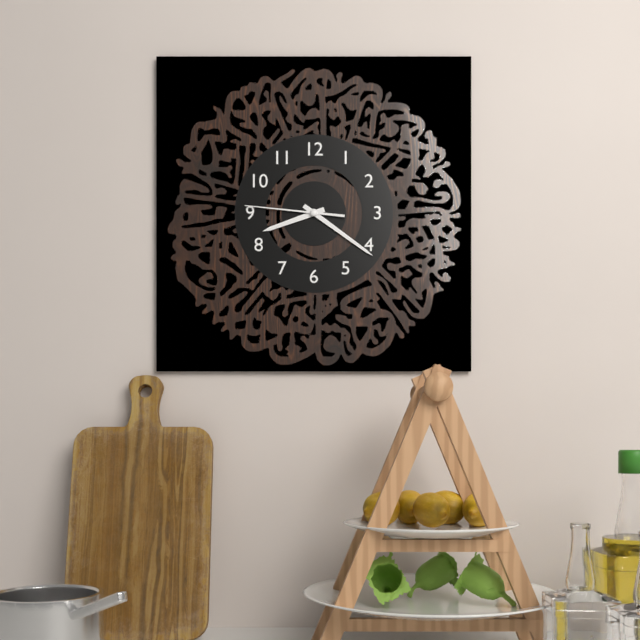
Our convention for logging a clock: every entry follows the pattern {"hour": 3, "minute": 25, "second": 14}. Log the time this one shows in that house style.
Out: {"hour": 8, "minute": 21, "second": 46}
